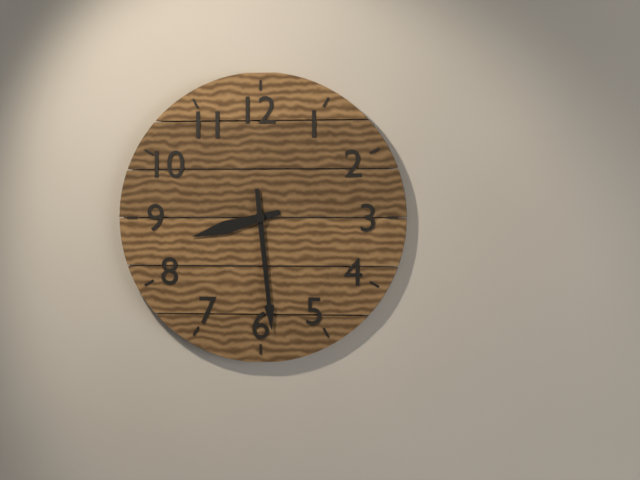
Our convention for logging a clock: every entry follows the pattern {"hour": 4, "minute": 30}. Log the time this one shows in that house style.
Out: {"hour": 8, "minute": 29}
